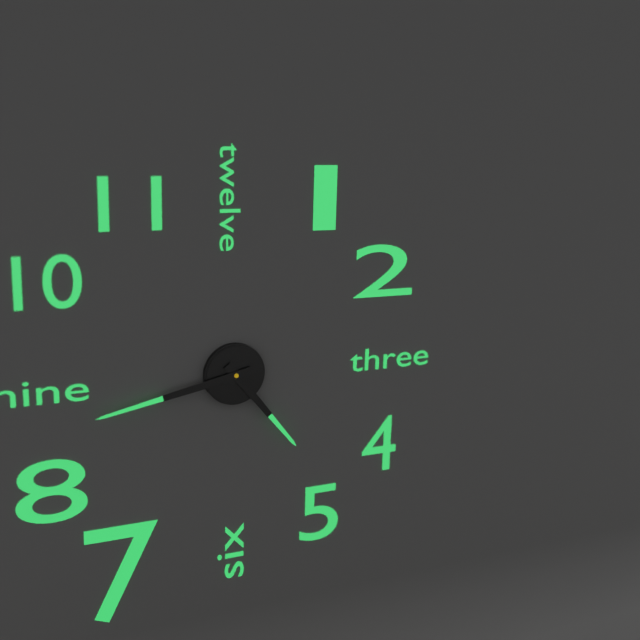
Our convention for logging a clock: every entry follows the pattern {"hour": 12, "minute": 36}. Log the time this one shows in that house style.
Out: {"hour": 4, "minute": 43}
